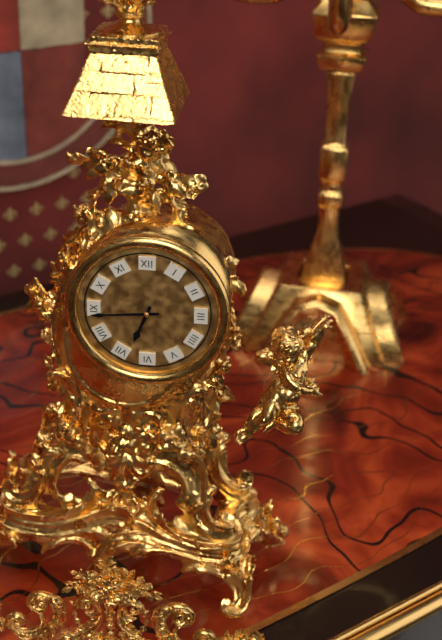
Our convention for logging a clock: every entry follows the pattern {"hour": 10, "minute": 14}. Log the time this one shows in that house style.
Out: {"hour": 6, "minute": 44}
